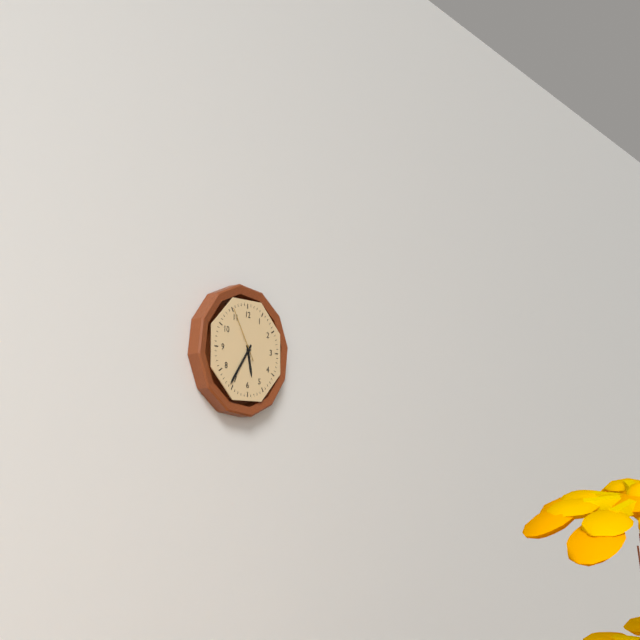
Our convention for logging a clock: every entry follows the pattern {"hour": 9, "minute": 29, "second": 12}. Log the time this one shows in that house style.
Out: {"hour": 5, "minute": 36, "second": 55}
